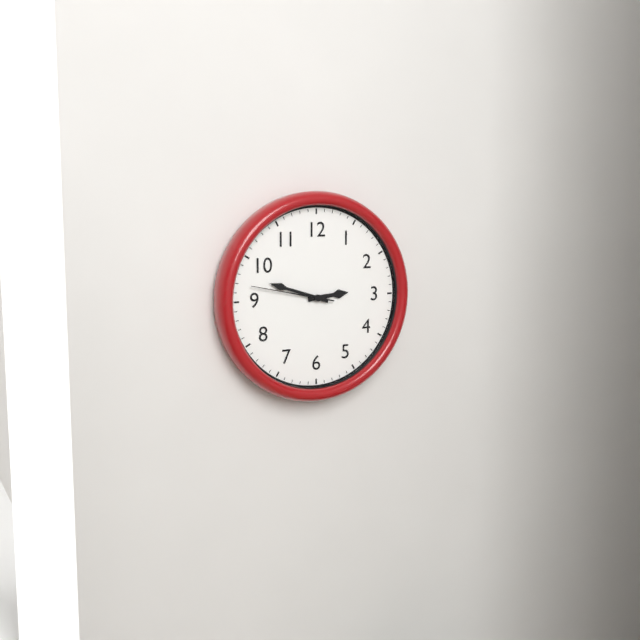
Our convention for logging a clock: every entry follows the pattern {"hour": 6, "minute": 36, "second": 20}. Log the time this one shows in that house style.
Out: {"hour": 2, "minute": 48, "second": 47}
